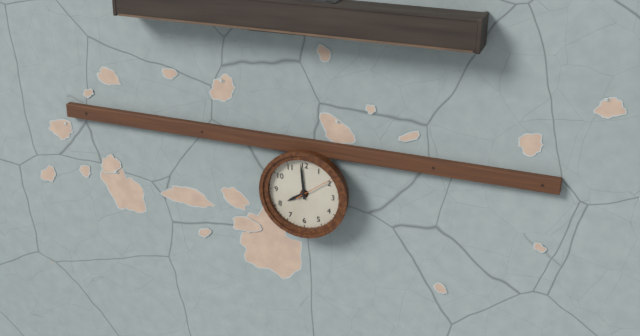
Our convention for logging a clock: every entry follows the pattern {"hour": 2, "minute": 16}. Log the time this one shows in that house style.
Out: {"hour": 7, "minute": 59}
